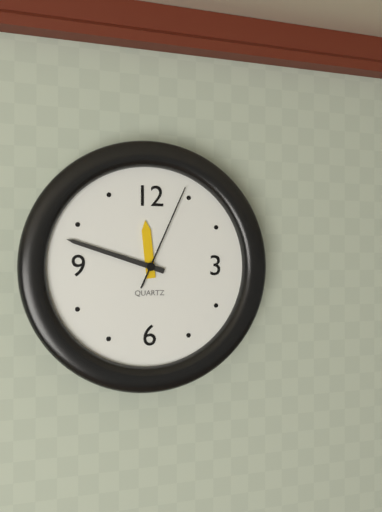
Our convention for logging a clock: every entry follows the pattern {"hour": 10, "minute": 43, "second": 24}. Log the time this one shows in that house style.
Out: {"hour": 11, "minute": 48, "second": 4}
